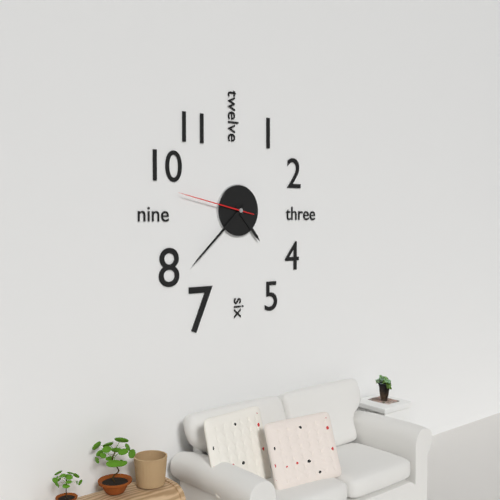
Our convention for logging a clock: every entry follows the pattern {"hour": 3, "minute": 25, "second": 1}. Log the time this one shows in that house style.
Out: {"hour": 4, "minute": 38, "second": 47}
